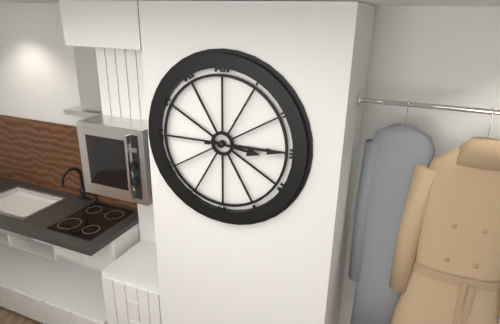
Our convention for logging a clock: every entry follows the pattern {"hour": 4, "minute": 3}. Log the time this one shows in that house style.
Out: {"hour": 3, "minute": 15}
